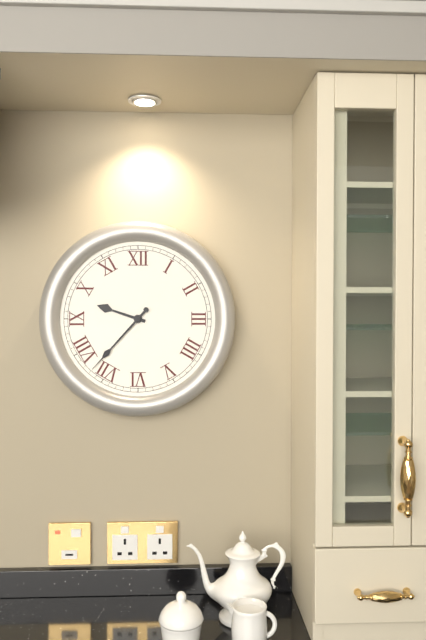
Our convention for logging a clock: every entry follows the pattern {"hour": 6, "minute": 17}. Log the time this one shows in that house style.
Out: {"hour": 9, "minute": 37}
